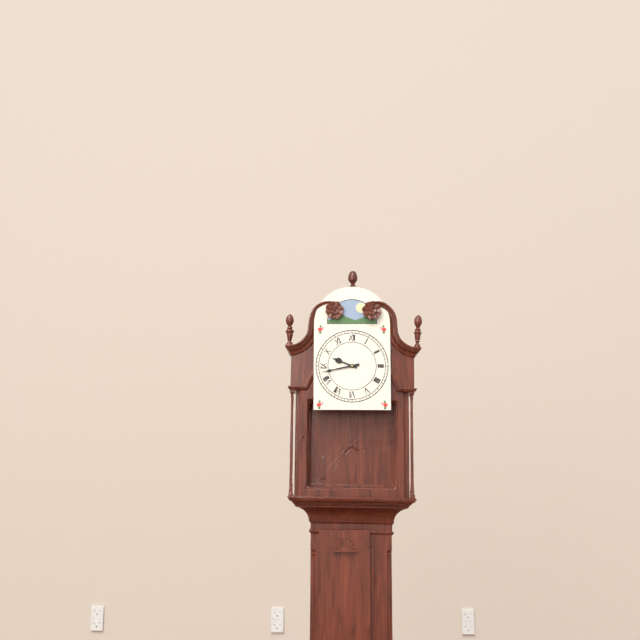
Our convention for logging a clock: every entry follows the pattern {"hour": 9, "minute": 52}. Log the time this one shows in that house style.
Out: {"hour": 9, "minute": 43}
